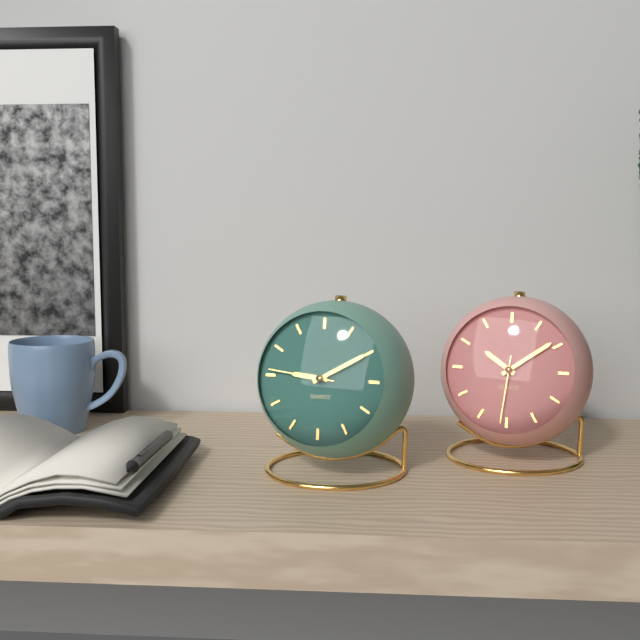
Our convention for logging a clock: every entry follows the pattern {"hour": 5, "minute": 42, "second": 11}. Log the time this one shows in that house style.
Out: {"hour": 9, "minute": 10, "second": 46}
